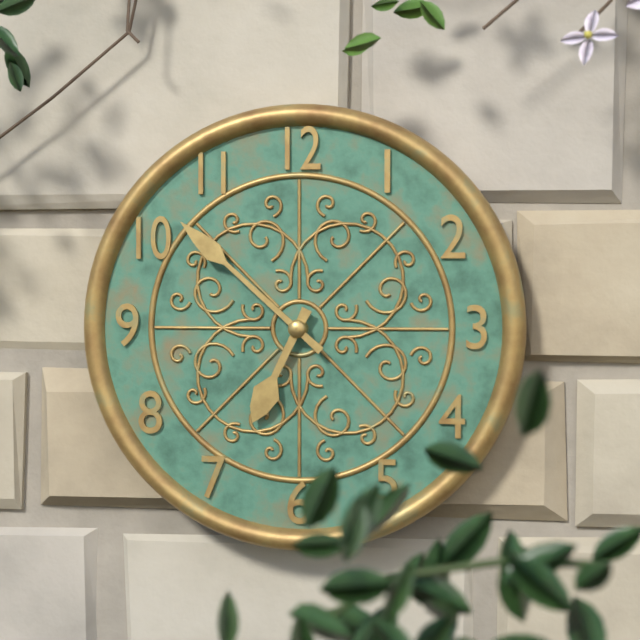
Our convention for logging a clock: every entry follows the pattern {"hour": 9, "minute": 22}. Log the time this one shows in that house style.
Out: {"hour": 6, "minute": 52}
